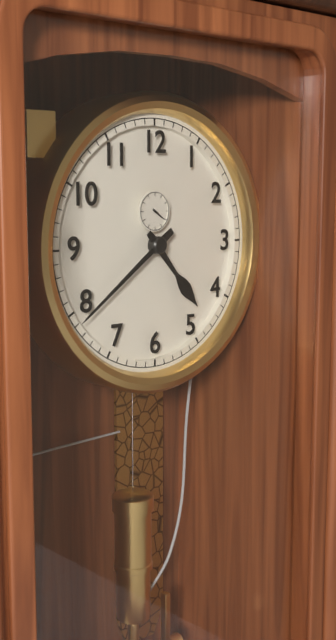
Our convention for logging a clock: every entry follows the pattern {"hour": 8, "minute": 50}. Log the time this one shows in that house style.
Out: {"hour": 4, "minute": 39}
